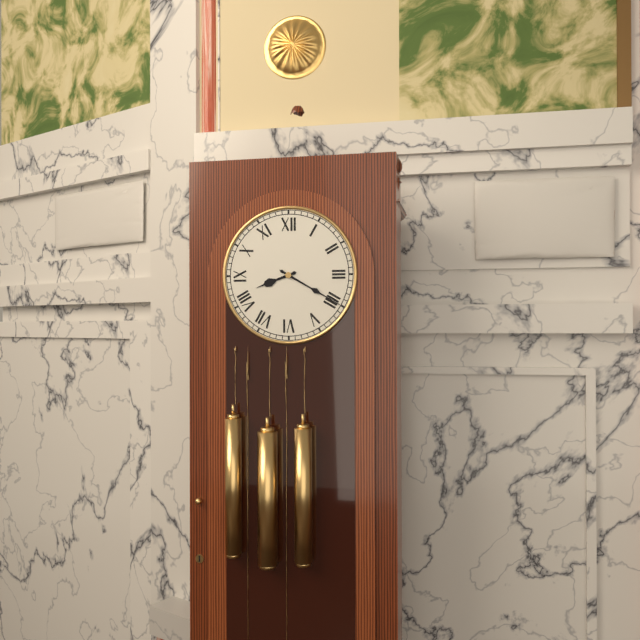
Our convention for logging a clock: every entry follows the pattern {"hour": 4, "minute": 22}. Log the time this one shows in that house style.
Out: {"hour": 8, "minute": 20}
